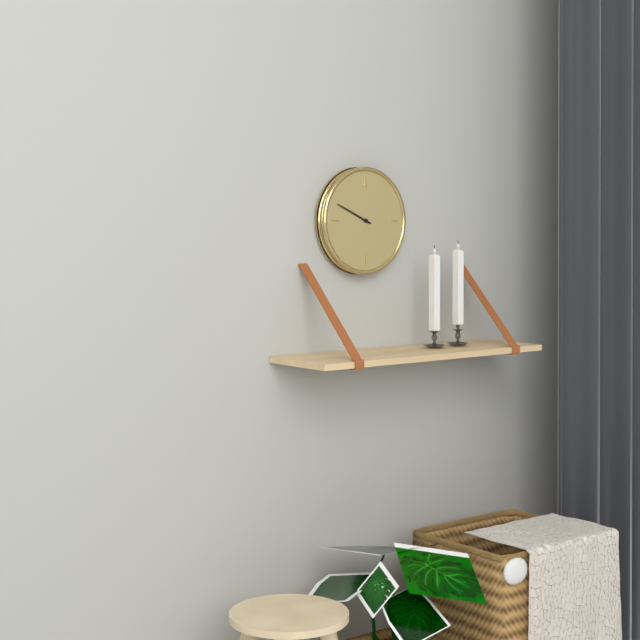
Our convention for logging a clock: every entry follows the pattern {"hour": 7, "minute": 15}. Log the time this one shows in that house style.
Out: {"hour": 9, "minute": 49}
